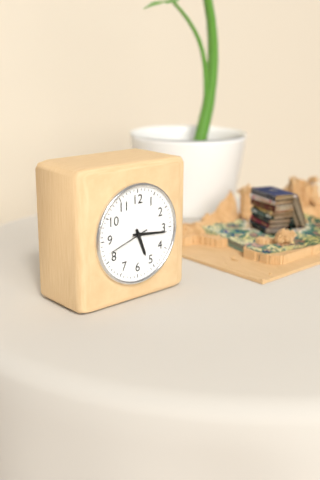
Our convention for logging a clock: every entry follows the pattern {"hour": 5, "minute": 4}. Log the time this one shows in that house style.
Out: {"hour": 5, "minute": 16}
